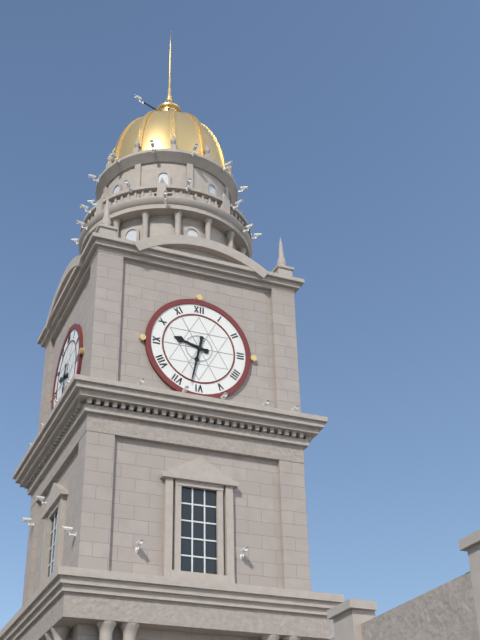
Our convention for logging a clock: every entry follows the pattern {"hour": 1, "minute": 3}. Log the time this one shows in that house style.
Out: {"hour": 9, "minute": 32}
